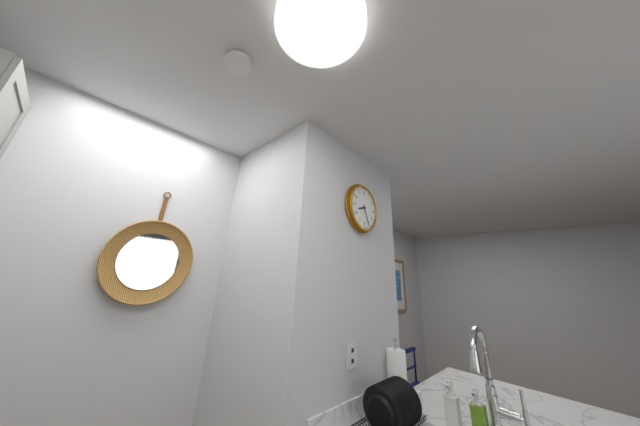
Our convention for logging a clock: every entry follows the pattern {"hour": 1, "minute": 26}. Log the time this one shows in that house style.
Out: {"hour": 8, "minute": 26}
